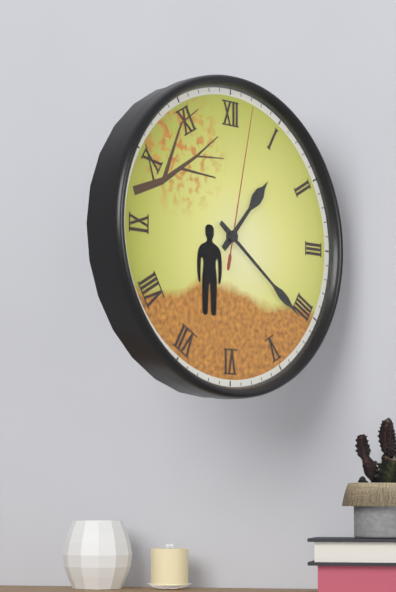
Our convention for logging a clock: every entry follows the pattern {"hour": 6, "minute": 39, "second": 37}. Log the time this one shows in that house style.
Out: {"hour": 1, "minute": 21, "second": 2}
